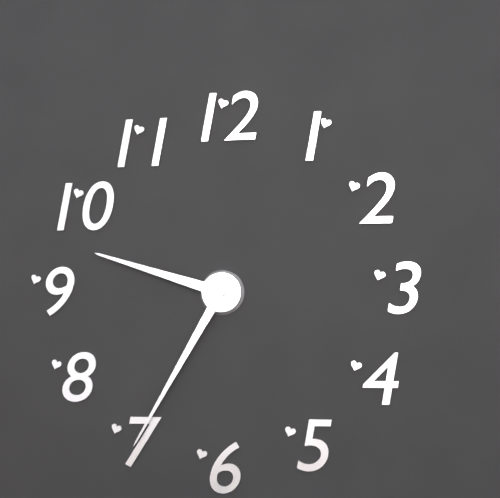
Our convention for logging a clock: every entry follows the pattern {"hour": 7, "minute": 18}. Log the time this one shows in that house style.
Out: {"hour": 9, "minute": 35}
